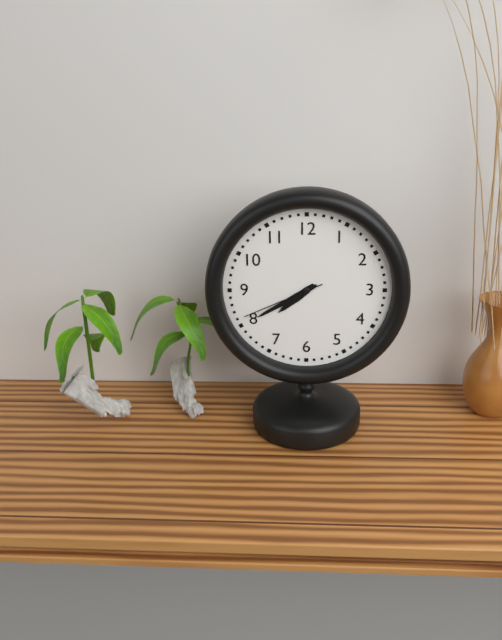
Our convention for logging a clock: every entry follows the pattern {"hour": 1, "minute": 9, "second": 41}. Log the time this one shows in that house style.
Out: {"hour": 7, "minute": 40, "second": 41}
